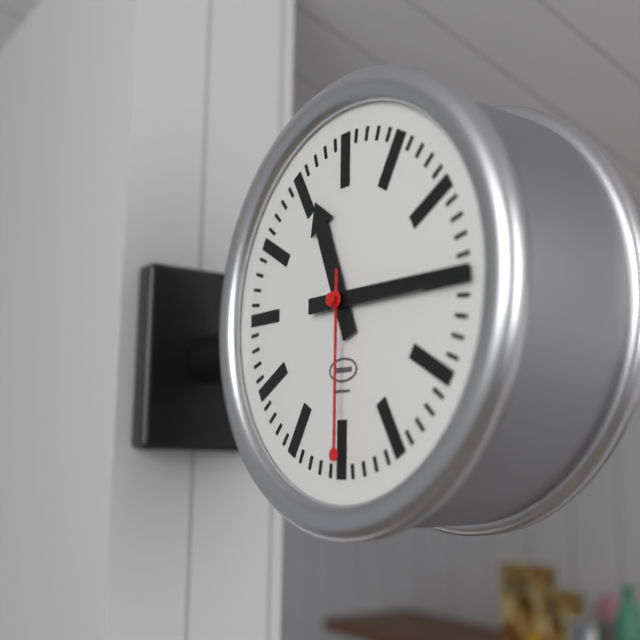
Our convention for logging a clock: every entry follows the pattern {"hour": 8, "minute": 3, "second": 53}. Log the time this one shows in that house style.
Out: {"hour": 11, "minute": 15, "second": 30}
